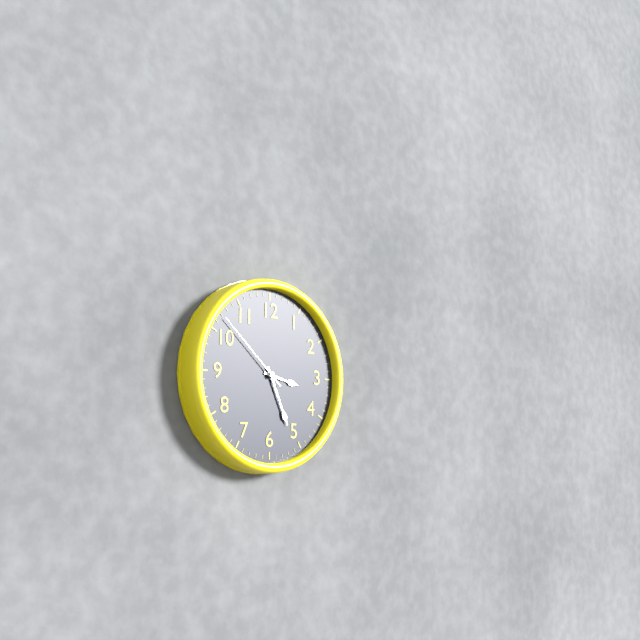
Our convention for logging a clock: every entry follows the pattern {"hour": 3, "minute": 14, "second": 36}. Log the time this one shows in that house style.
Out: {"hour": 3, "minute": 26, "second": 52}
